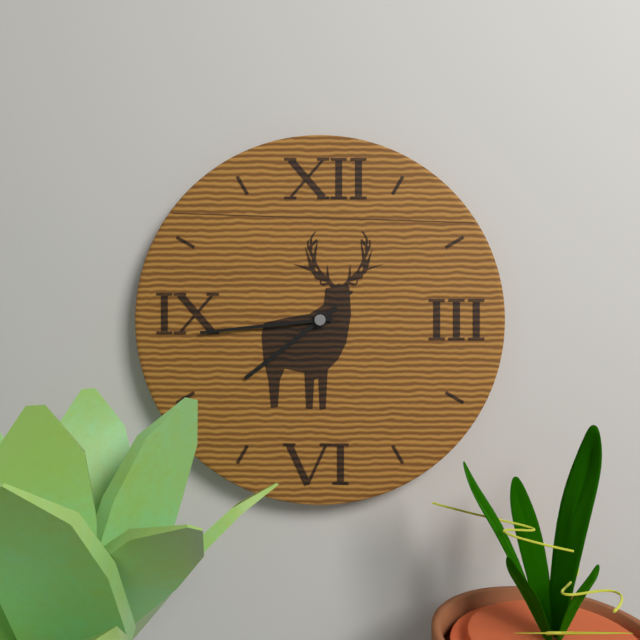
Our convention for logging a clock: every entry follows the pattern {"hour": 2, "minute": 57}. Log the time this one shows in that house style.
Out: {"hour": 7, "minute": 44}
